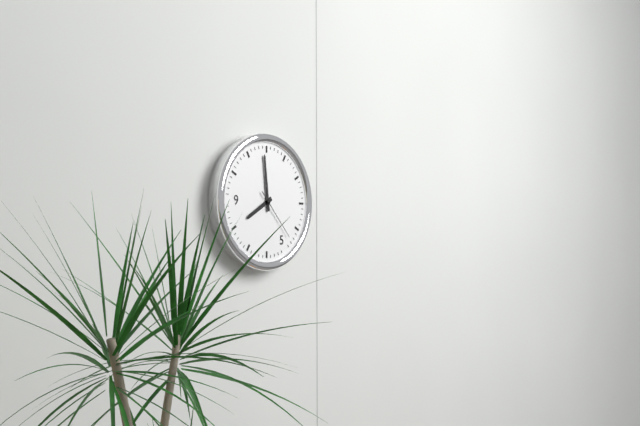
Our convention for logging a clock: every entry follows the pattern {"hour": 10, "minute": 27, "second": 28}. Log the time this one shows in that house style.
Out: {"hour": 7, "minute": 59, "second": 23}
